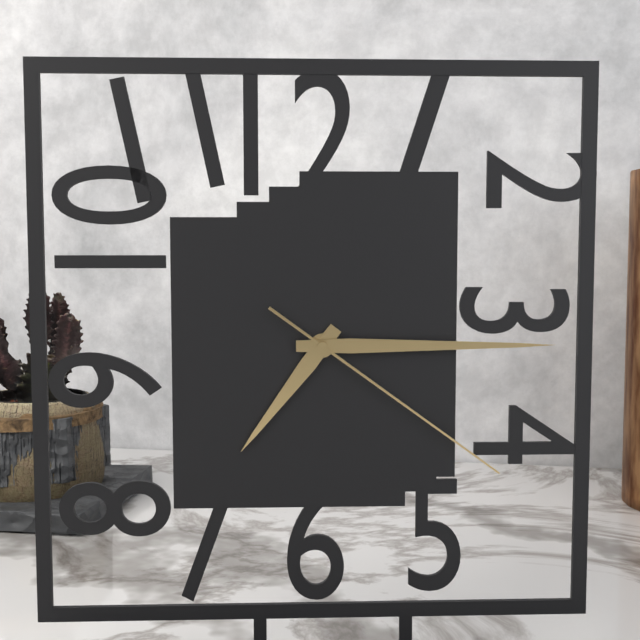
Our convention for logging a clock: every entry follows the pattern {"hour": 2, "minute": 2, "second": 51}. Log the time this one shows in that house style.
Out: {"hour": 7, "minute": 15, "second": 21}
